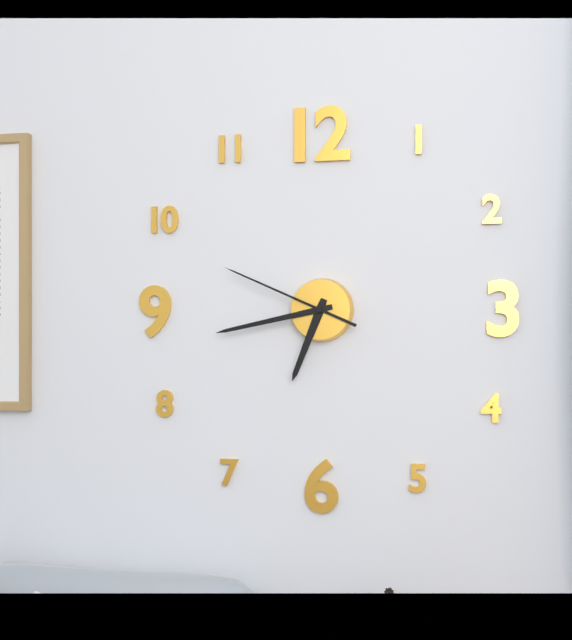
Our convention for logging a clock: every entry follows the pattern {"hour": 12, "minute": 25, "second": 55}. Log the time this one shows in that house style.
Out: {"hour": 6, "minute": 43, "second": 49}
